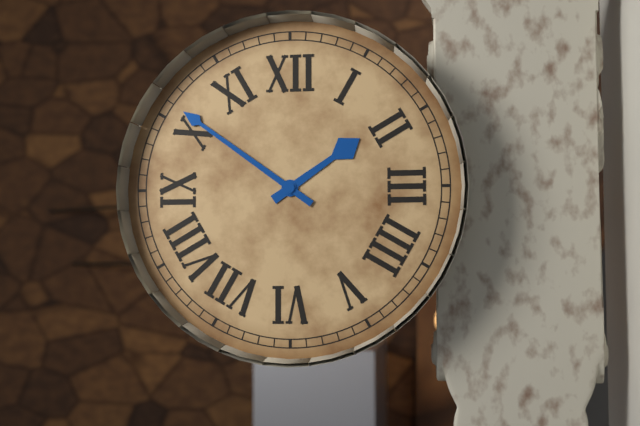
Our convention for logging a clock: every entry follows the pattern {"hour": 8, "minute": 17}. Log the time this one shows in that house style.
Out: {"hour": 1, "minute": 51}
